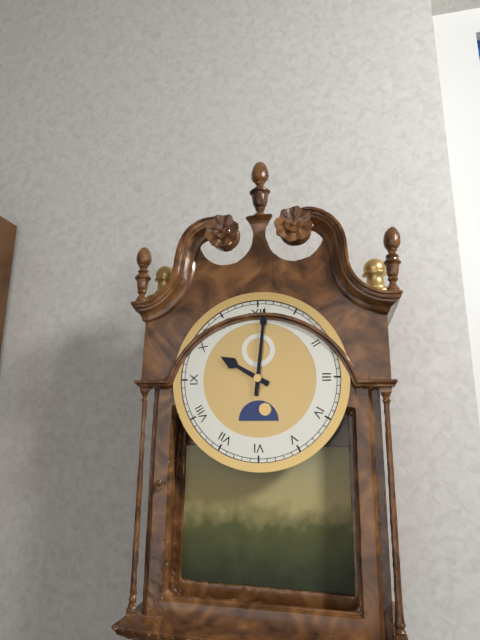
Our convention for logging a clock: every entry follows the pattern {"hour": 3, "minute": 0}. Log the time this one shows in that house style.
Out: {"hour": 10, "minute": 1}
